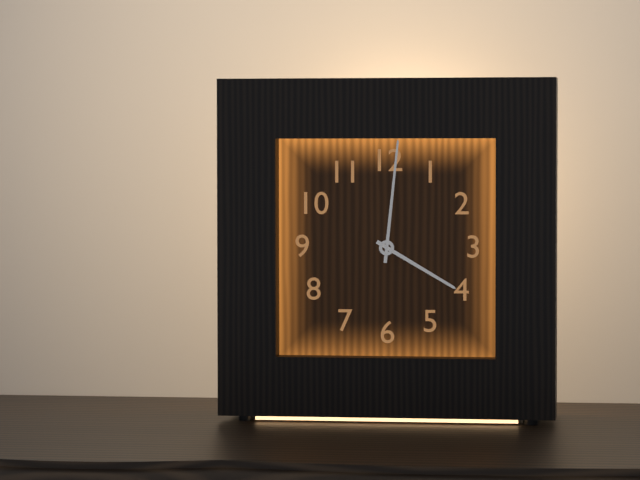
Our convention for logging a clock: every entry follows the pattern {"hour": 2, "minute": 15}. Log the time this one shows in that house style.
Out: {"hour": 4, "minute": 1}
